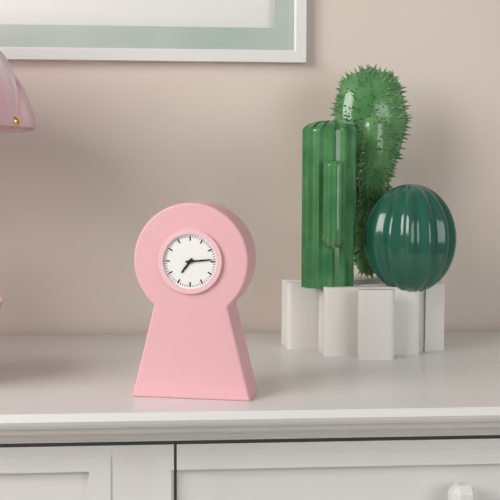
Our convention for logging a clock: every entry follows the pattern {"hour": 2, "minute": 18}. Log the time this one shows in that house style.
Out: {"hour": 7, "minute": 14}
